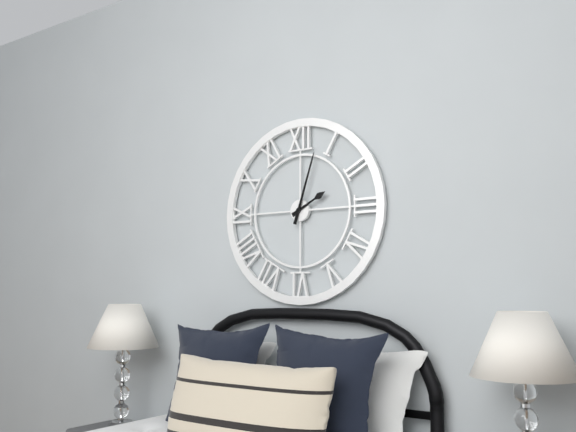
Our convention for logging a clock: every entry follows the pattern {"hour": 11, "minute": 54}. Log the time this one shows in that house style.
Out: {"hour": 2, "minute": 3}
